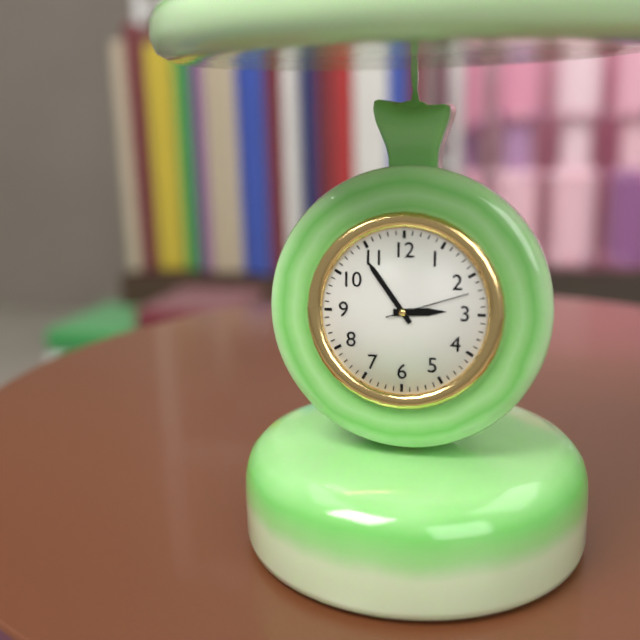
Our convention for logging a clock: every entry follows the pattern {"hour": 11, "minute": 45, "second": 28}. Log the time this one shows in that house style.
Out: {"hour": 2, "minute": 54, "second": 12}
